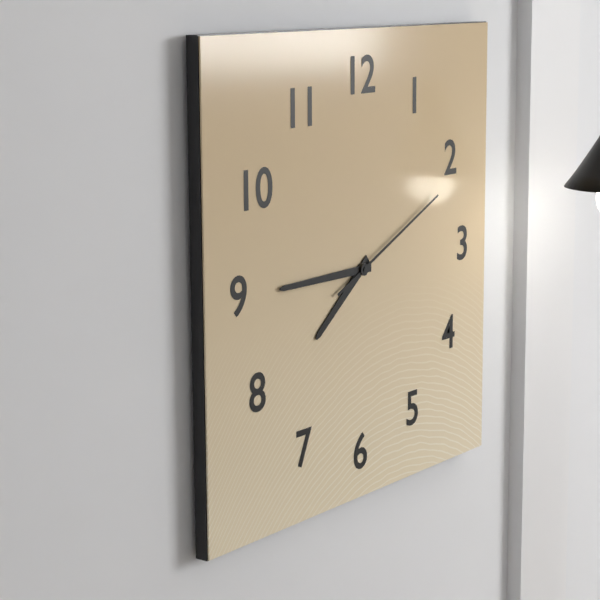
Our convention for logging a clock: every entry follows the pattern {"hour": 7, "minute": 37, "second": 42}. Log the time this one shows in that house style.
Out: {"hour": 7, "minute": 45, "second": 11}
